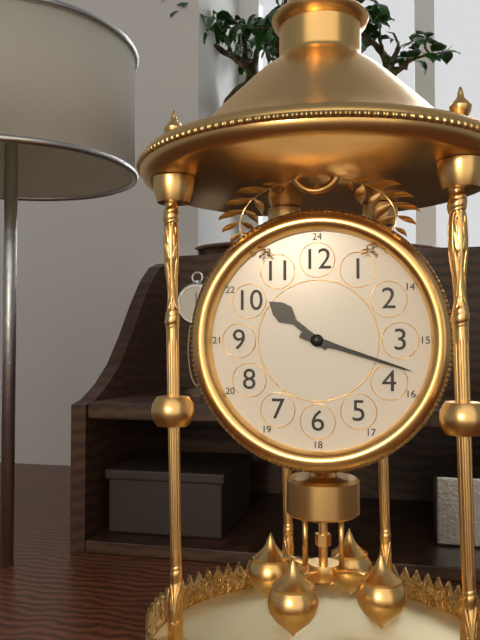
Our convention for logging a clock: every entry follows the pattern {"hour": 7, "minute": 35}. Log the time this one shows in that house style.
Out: {"hour": 10, "minute": 18}
